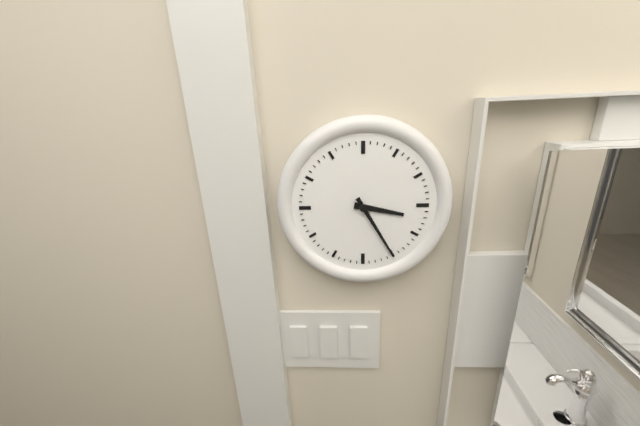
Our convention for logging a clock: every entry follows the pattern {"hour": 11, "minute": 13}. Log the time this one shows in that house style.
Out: {"hour": 3, "minute": 25}
